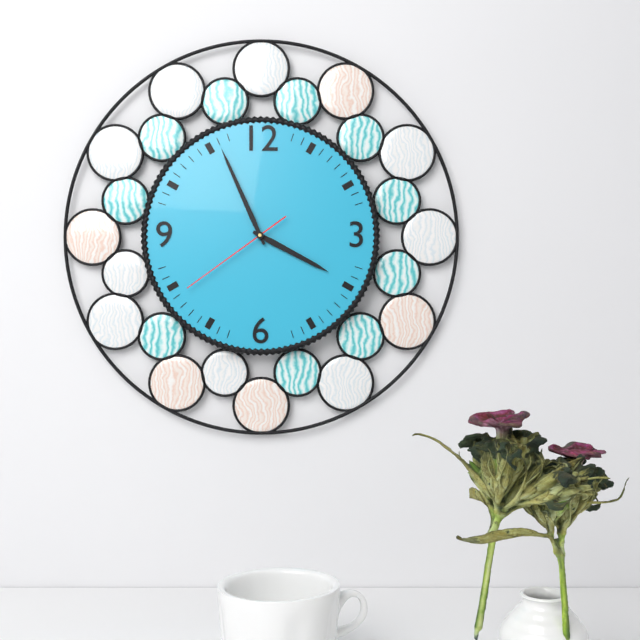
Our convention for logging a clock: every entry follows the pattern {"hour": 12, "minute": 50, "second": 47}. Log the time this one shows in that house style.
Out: {"hour": 3, "minute": 56, "second": 39}
